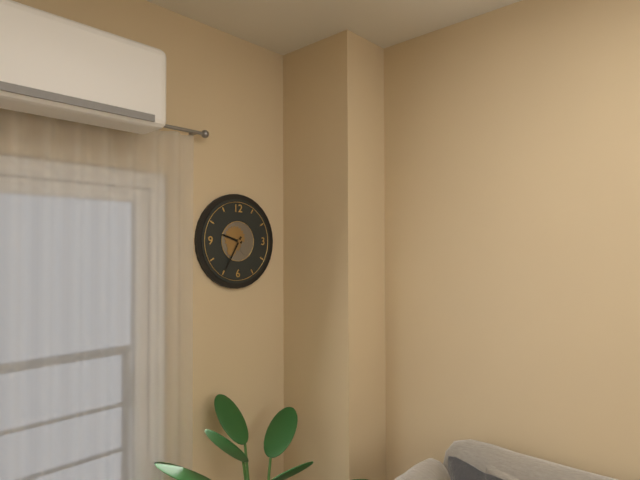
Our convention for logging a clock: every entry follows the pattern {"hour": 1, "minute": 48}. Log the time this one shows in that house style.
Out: {"hour": 9, "minute": 35}
